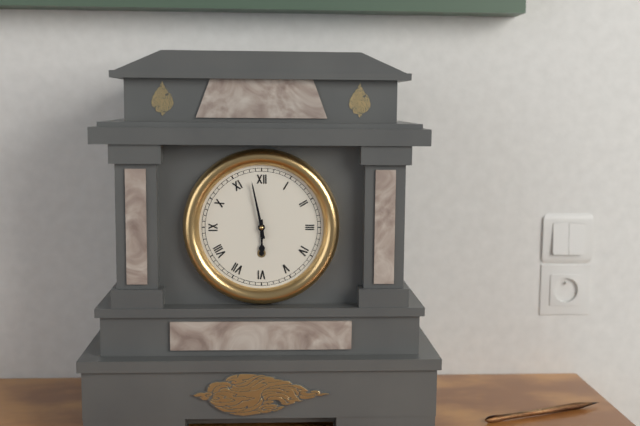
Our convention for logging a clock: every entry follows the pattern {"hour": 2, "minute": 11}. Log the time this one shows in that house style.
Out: {"hour": 5, "minute": 58}
